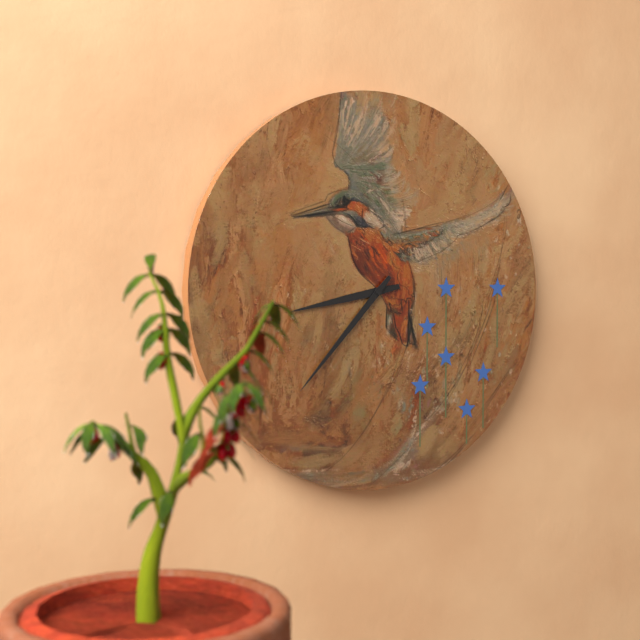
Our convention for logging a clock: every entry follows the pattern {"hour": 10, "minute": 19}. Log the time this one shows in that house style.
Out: {"hour": 8, "minute": 37}
